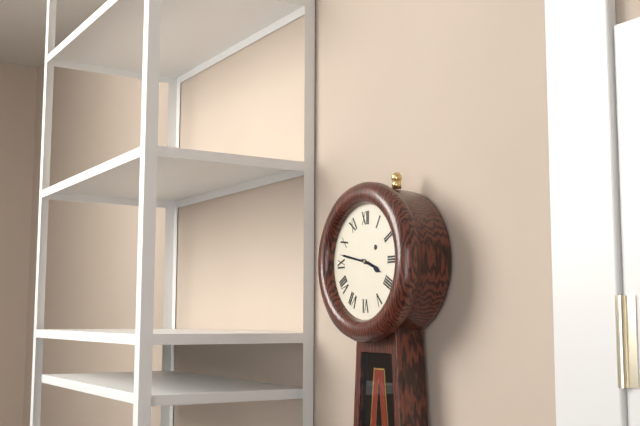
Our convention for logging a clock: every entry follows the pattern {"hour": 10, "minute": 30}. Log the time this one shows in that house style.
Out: {"hour": 3, "minute": 47}
